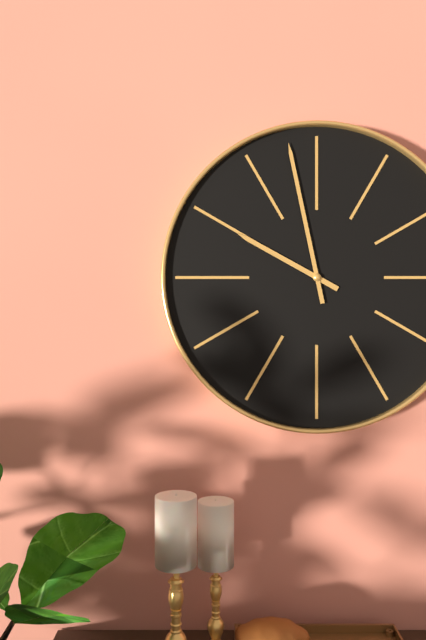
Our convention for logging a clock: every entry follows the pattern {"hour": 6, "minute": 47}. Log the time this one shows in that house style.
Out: {"hour": 9, "minute": 58}
